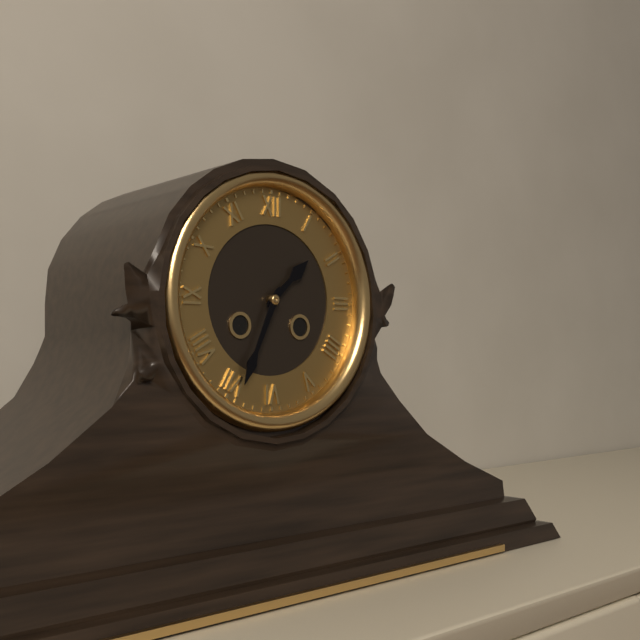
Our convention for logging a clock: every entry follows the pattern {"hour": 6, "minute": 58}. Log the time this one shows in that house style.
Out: {"hour": 1, "minute": 34}
